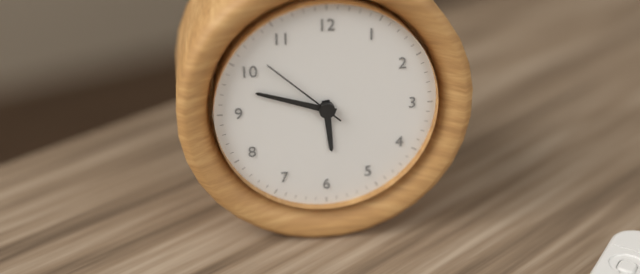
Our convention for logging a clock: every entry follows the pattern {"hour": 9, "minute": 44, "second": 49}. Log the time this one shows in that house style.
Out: {"hour": 5, "minute": 48, "second": 52}
